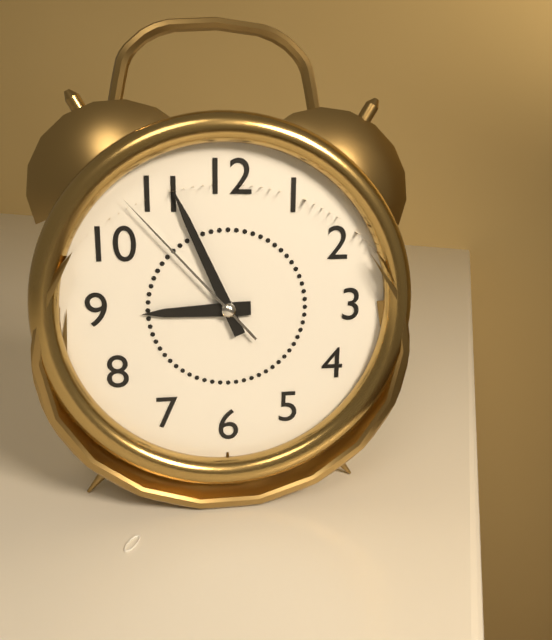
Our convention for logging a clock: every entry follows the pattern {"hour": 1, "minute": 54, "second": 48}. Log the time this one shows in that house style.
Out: {"hour": 8, "minute": 56, "second": 53}
